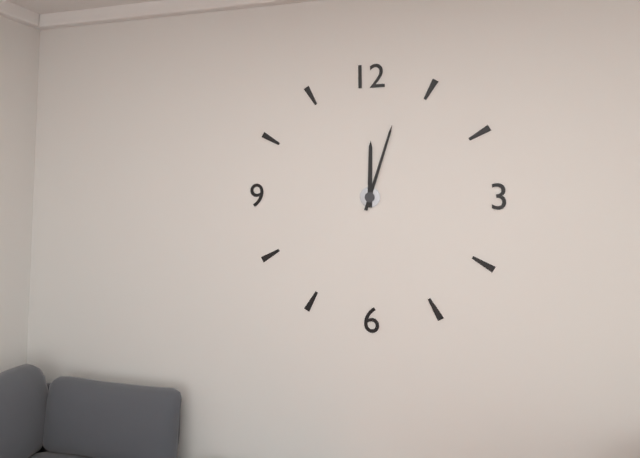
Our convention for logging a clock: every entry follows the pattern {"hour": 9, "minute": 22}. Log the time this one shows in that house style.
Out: {"hour": 12, "minute": 3}
